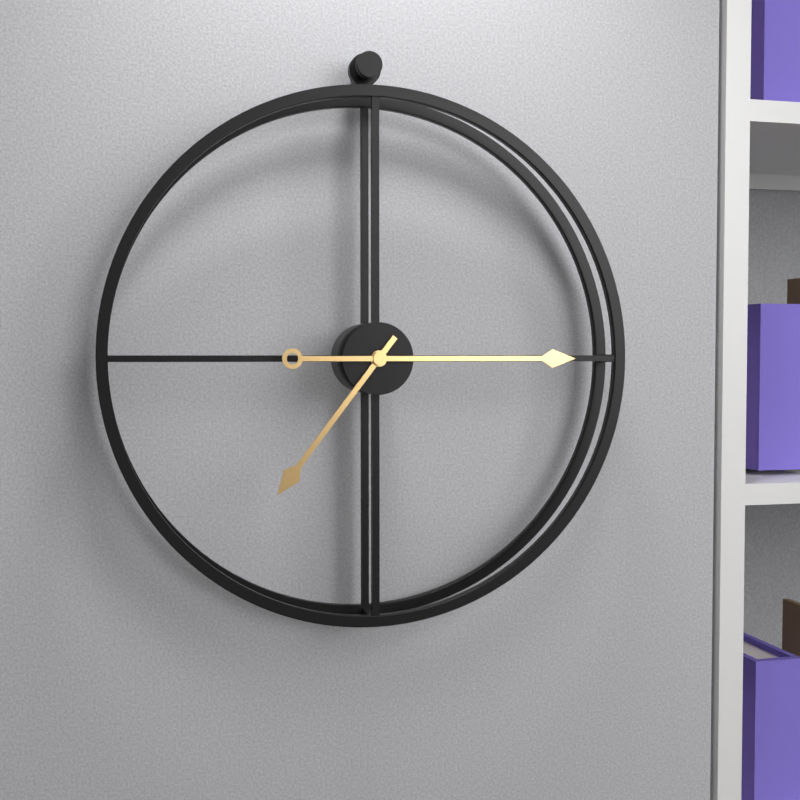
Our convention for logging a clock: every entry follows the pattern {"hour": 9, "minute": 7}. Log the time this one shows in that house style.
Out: {"hour": 7, "minute": 15}
